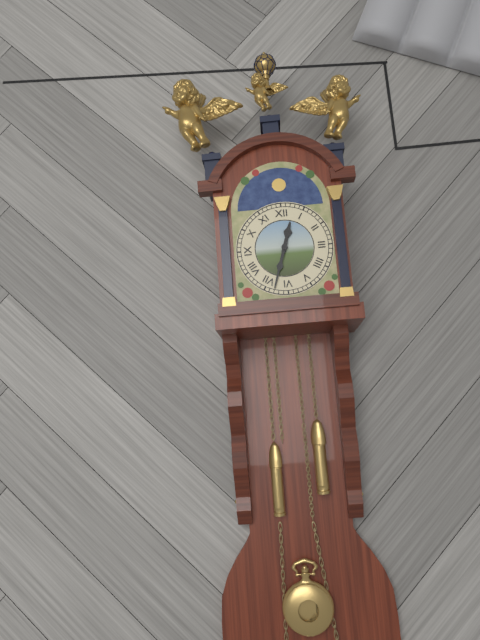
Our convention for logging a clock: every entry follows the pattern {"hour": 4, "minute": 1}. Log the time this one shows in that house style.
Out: {"hour": 12, "minute": 33}
